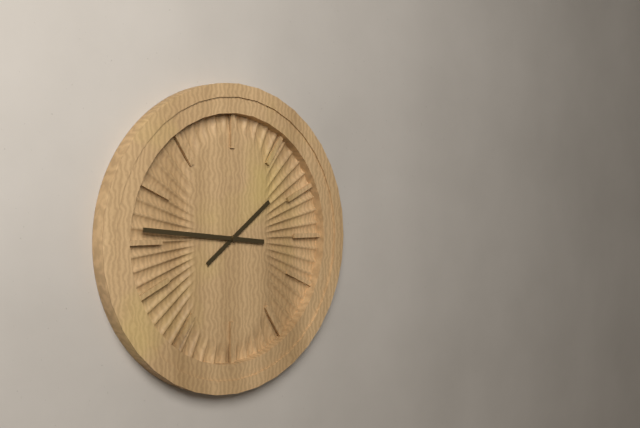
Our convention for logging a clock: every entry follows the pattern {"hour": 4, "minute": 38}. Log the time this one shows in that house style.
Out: {"hour": 1, "minute": 46}
